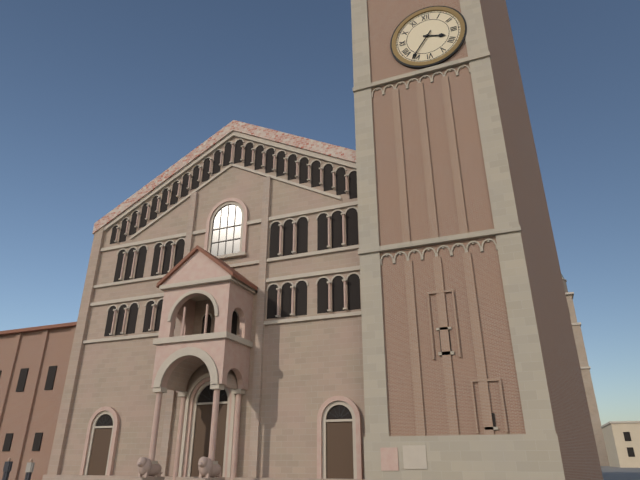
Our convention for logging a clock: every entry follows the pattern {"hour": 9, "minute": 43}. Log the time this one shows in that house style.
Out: {"hour": 3, "minute": 36}
